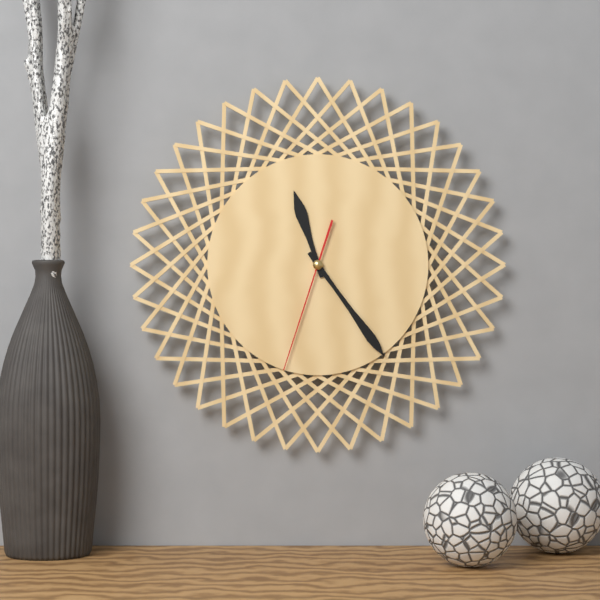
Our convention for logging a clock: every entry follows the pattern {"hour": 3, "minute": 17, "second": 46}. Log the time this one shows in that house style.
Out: {"hour": 11, "minute": 24, "second": 33}
